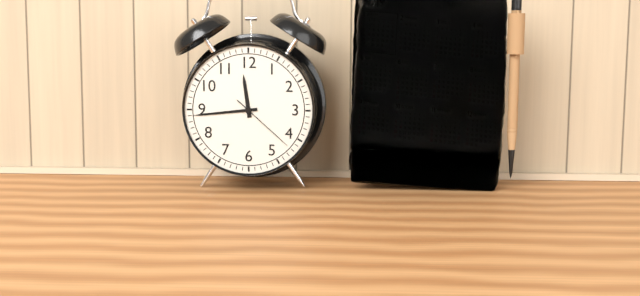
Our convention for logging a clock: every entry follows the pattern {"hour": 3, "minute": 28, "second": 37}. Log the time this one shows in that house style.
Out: {"hour": 11, "minute": 44, "second": 22}
